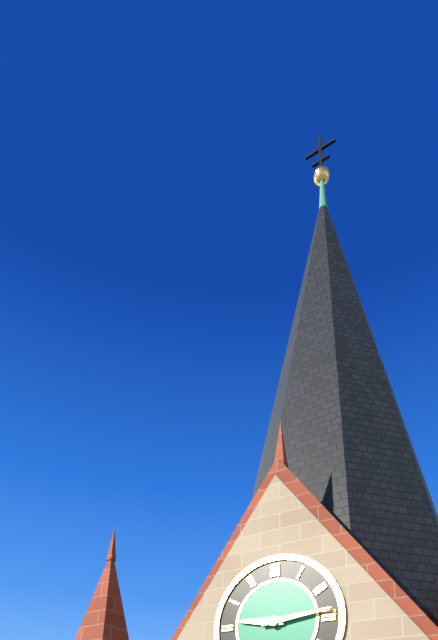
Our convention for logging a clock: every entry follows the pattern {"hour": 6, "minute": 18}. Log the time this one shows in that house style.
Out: {"hour": 9, "minute": 14}
